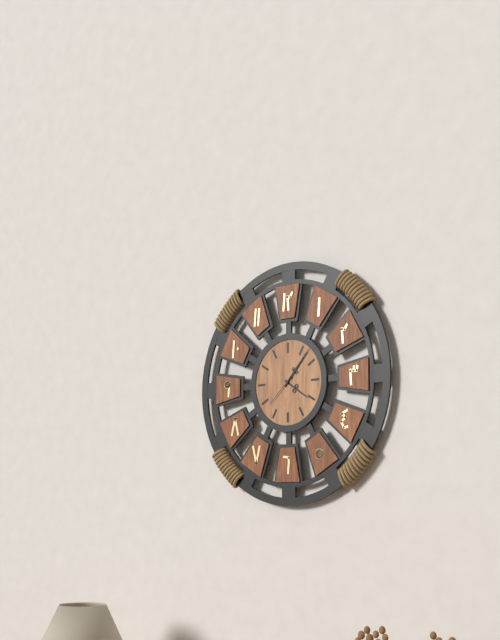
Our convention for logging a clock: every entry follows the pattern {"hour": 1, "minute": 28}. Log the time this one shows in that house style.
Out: {"hour": 4, "minute": 7}
